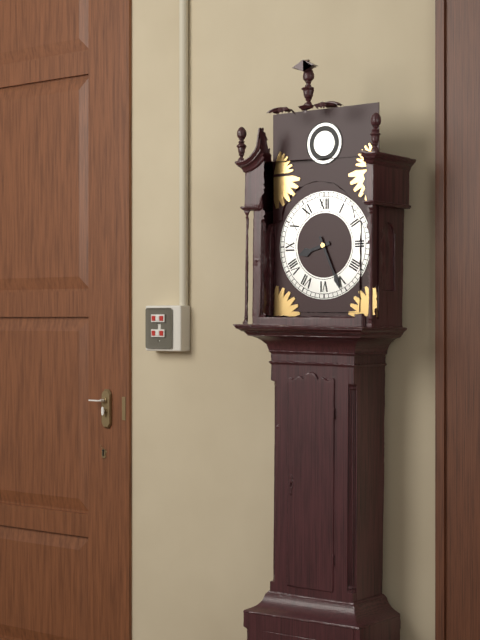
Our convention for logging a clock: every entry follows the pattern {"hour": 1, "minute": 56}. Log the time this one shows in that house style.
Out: {"hour": 8, "minute": 26}
